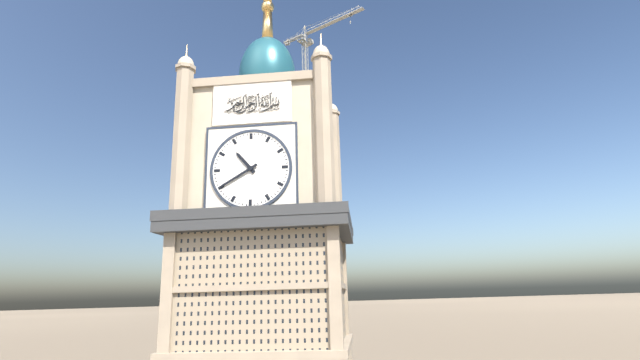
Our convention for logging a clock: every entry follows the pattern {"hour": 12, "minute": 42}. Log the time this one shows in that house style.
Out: {"hour": 10, "minute": 40}
